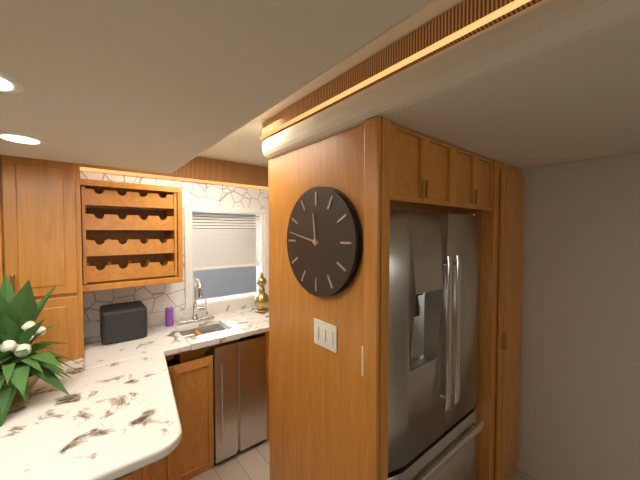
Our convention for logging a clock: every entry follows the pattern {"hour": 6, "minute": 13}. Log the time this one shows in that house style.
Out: {"hour": 11, "minute": 47}
